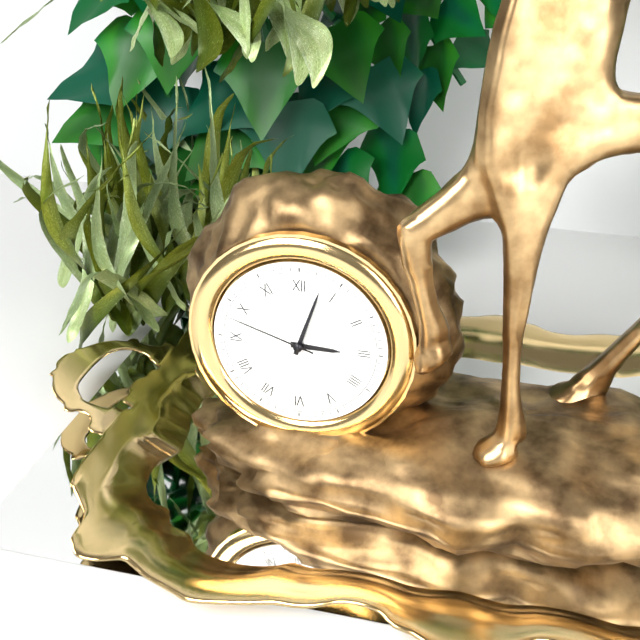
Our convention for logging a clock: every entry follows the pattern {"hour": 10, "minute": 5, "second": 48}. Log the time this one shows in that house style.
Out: {"hour": 3, "minute": 3, "second": 48}
